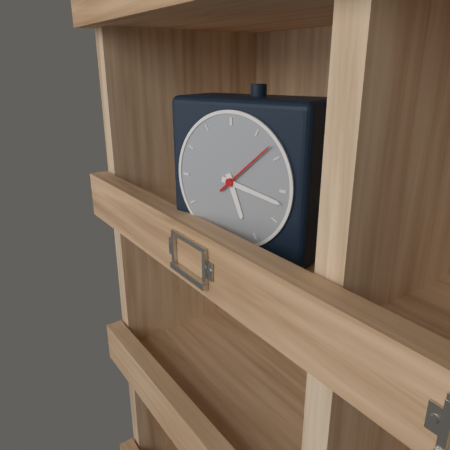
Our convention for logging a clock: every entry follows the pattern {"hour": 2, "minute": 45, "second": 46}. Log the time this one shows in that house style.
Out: {"hour": 5, "minute": 17, "second": 8}
